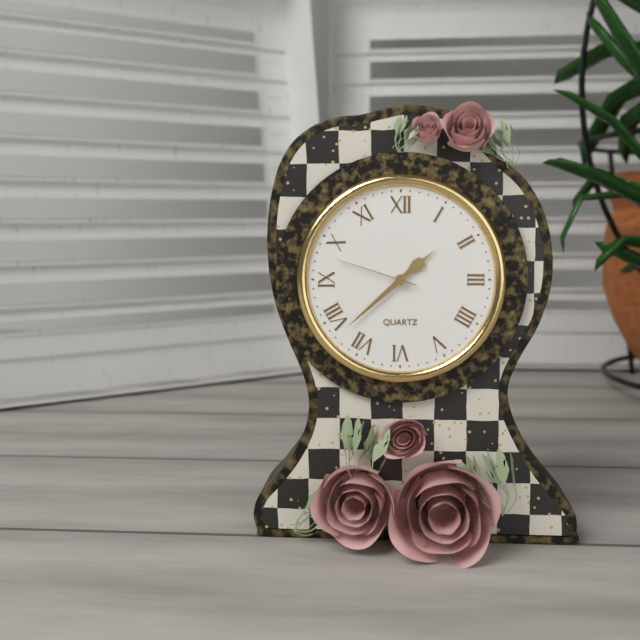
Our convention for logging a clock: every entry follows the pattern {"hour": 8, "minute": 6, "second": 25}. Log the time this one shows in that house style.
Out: {"hour": 1, "minute": 38, "second": 48}
